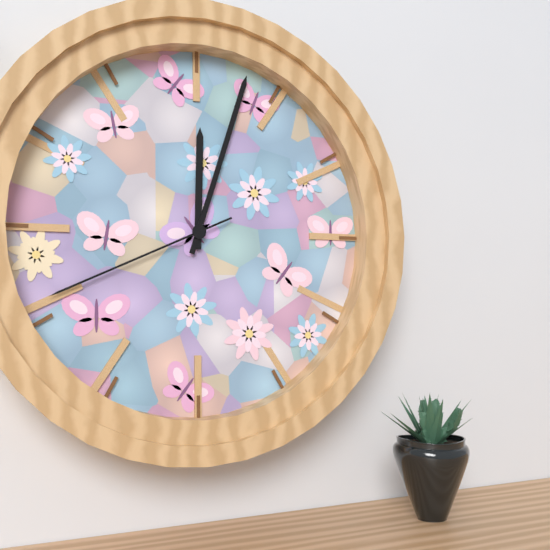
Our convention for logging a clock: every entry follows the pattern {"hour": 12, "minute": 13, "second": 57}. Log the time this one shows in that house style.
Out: {"hour": 12, "minute": 3, "second": 41}
